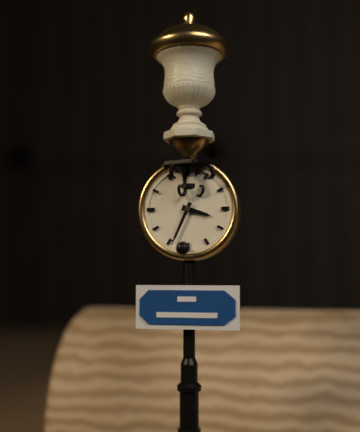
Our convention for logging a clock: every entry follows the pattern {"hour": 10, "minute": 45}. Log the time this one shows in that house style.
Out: {"hour": 3, "minute": 34}
